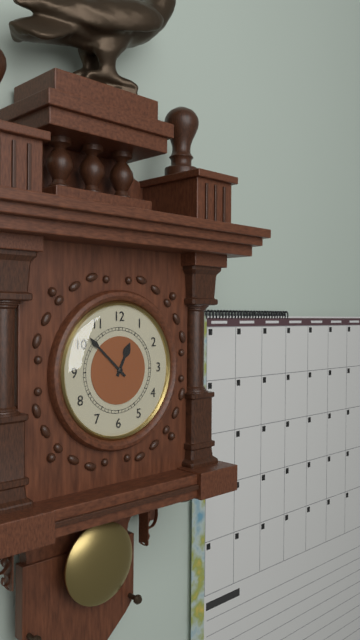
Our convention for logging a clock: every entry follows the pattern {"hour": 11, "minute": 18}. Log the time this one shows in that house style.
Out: {"hour": 12, "minute": 52}
